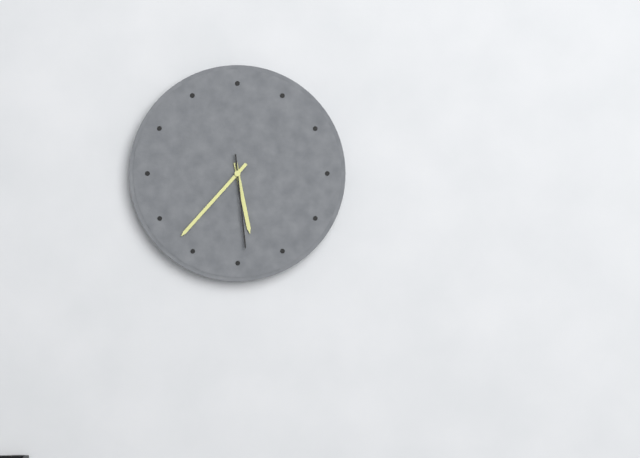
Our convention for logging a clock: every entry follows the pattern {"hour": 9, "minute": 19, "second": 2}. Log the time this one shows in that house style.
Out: {"hour": 5, "minute": 37, "second": 29}
